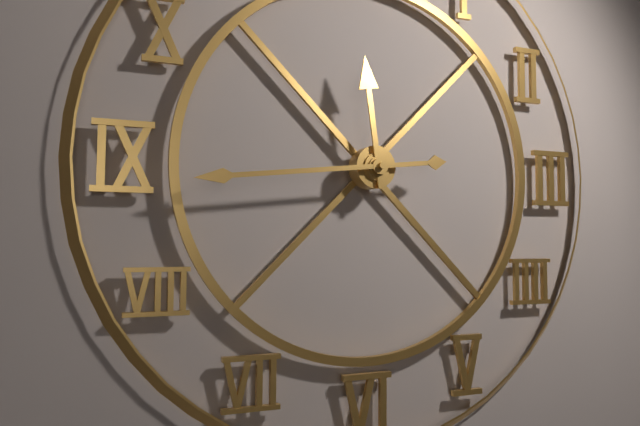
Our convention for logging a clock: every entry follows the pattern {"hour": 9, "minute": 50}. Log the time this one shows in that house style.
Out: {"hour": 11, "minute": 44}
